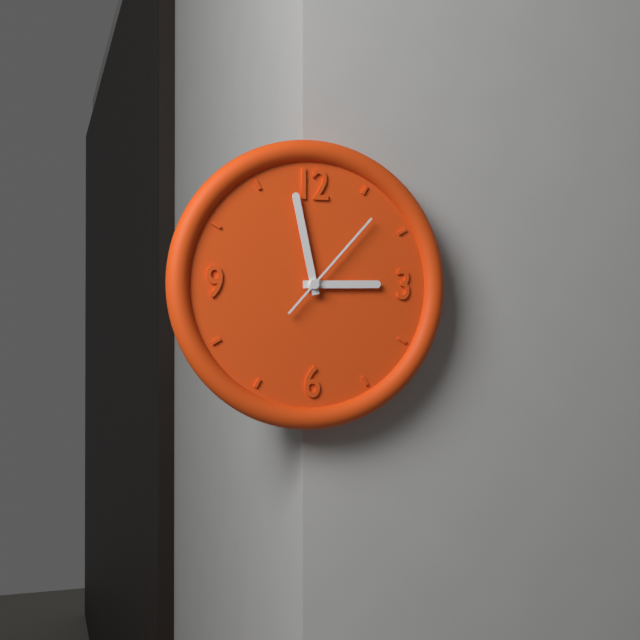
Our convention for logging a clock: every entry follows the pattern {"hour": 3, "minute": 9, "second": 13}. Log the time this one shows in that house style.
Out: {"hour": 2, "minute": 58, "second": 7}
